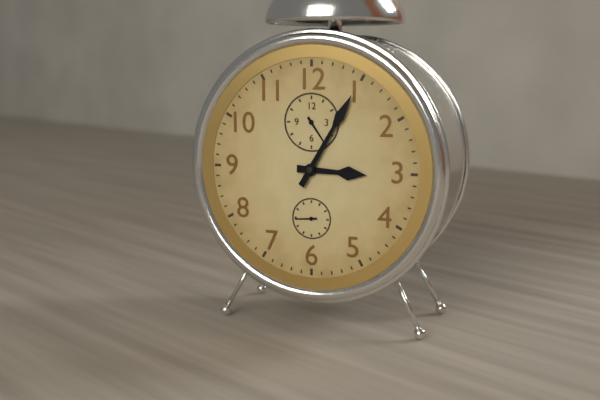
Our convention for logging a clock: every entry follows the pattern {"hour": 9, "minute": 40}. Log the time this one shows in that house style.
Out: {"hour": 3, "minute": 5}
